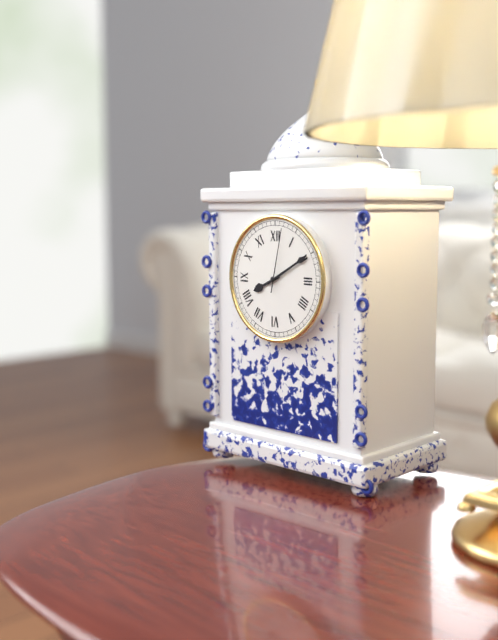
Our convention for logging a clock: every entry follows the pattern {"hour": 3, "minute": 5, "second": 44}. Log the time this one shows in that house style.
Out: {"hour": 8, "minute": 10, "second": 2}
